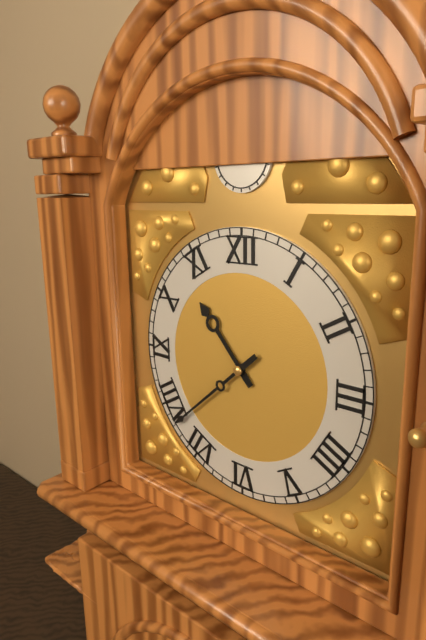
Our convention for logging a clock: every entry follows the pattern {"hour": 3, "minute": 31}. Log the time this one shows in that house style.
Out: {"hour": 10, "minute": 38}
